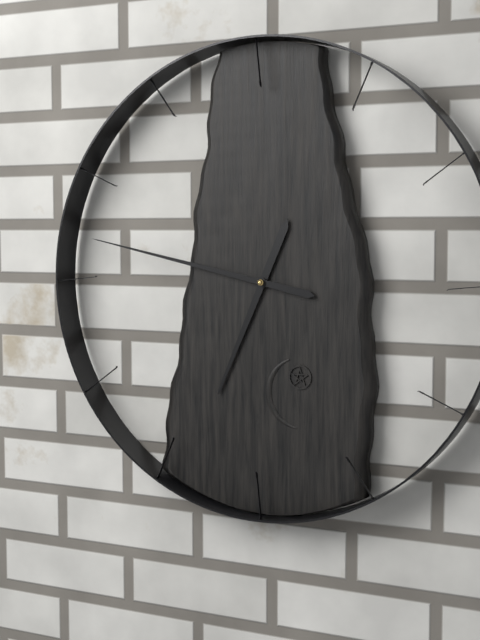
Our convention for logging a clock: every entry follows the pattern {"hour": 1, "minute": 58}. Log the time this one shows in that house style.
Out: {"hour": 6, "minute": 47}
